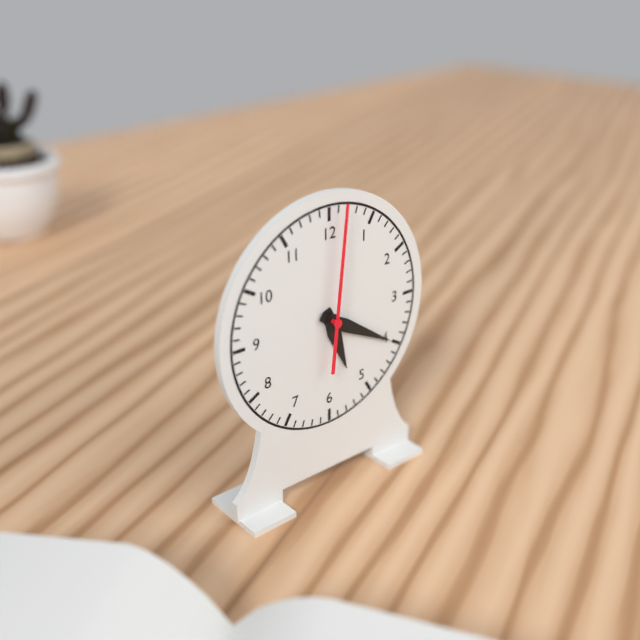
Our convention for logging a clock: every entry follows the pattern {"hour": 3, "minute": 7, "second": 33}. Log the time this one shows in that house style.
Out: {"hour": 5, "minute": 20, "second": 1}
